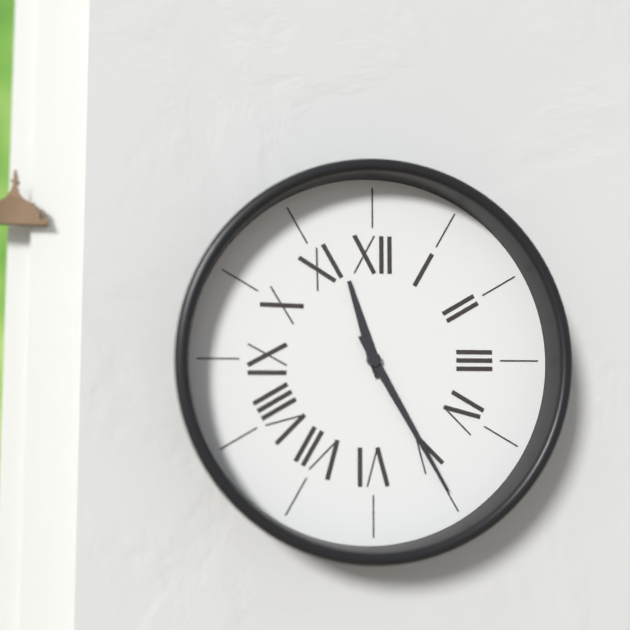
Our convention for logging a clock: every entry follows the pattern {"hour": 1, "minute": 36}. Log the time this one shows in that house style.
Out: {"hour": 11, "minute": 25}
